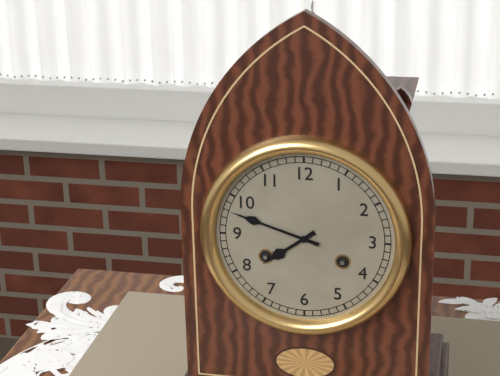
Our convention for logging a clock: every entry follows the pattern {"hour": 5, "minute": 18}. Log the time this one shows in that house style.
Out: {"hour": 7, "minute": 48}
